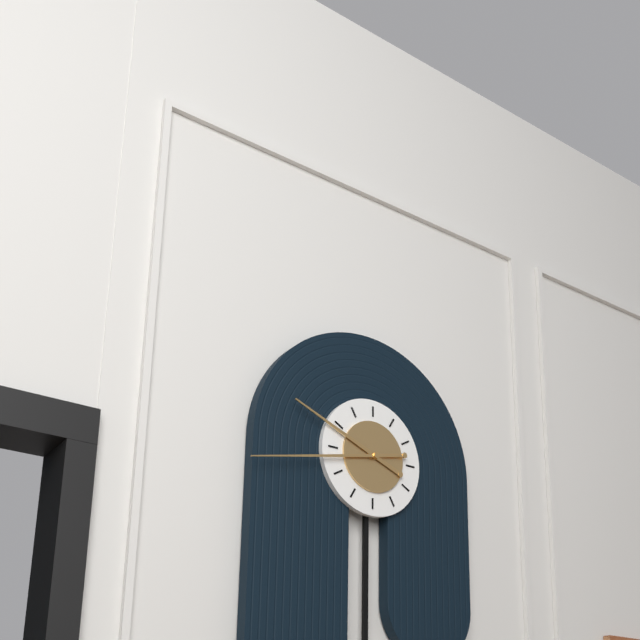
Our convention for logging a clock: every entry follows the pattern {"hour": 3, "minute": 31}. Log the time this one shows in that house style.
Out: {"hour": 9, "minute": 43}
